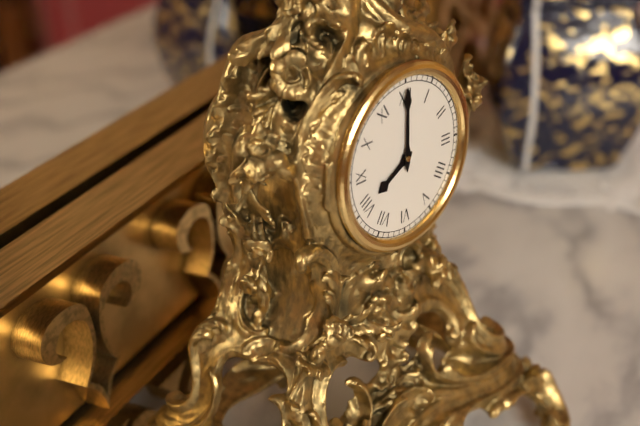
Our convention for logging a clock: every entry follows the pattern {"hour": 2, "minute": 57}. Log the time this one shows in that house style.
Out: {"hour": 8, "minute": 0}
